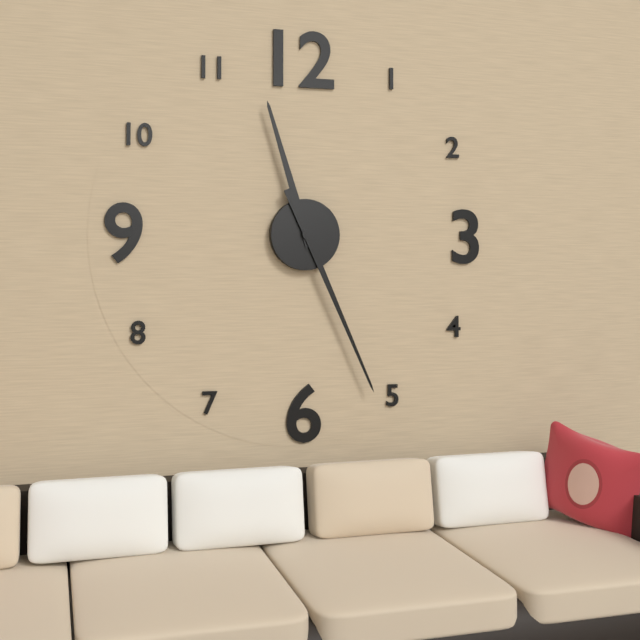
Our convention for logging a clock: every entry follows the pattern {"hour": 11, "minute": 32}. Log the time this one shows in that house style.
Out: {"hour": 11, "minute": 26}
